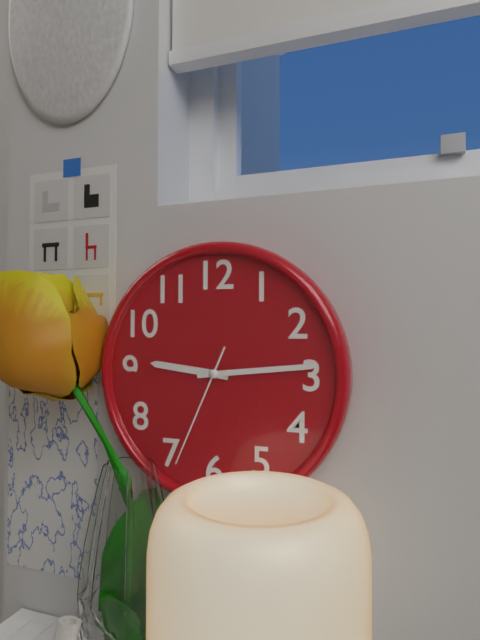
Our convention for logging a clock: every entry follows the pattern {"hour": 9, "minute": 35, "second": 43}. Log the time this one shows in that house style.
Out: {"hour": 9, "minute": 14, "second": 34}
